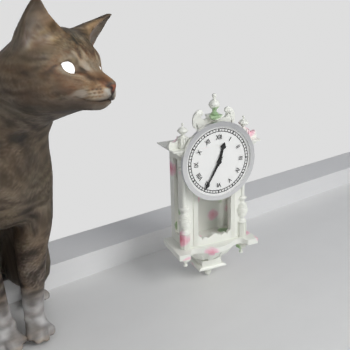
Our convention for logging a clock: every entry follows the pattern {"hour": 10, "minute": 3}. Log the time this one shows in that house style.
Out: {"hour": 12, "minute": 35}
